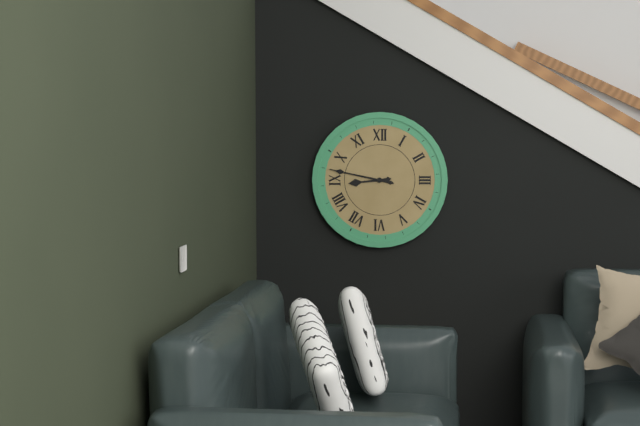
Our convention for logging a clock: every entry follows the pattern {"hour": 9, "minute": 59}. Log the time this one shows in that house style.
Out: {"hour": 8, "minute": 47}
